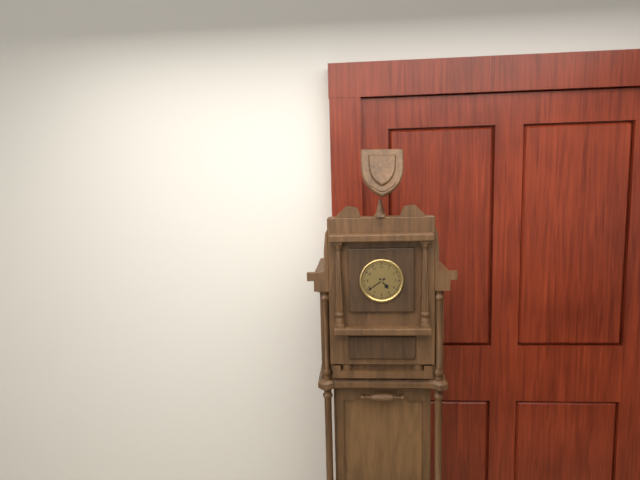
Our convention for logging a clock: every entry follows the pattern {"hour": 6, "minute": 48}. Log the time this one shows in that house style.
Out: {"hour": 4, "minute": 39}
